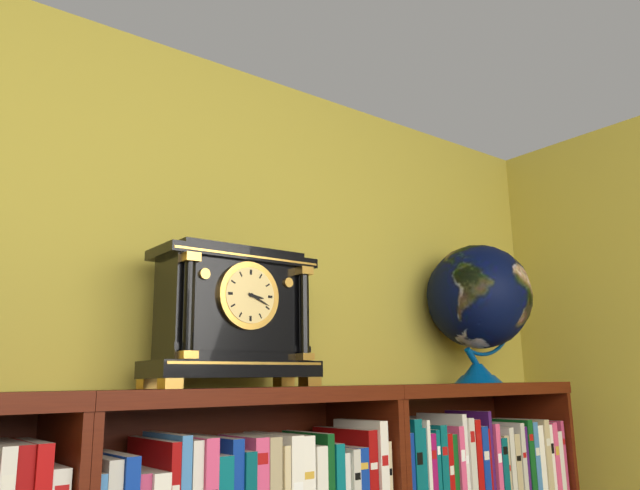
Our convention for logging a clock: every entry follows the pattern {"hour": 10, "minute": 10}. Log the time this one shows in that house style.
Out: {"hour": 3, "minute": 19}
